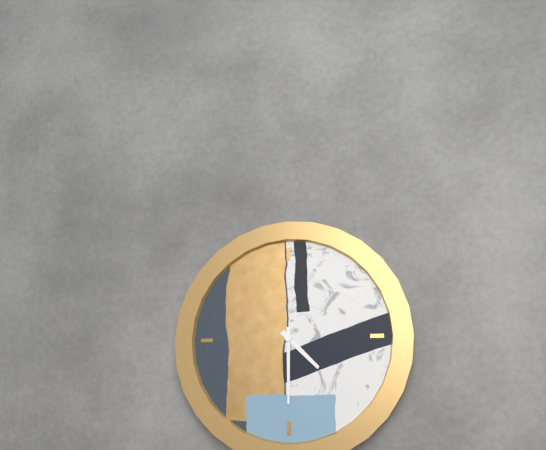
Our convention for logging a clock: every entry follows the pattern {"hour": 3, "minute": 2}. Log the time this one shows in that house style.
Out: {"hour": 4, "minute": 30}
